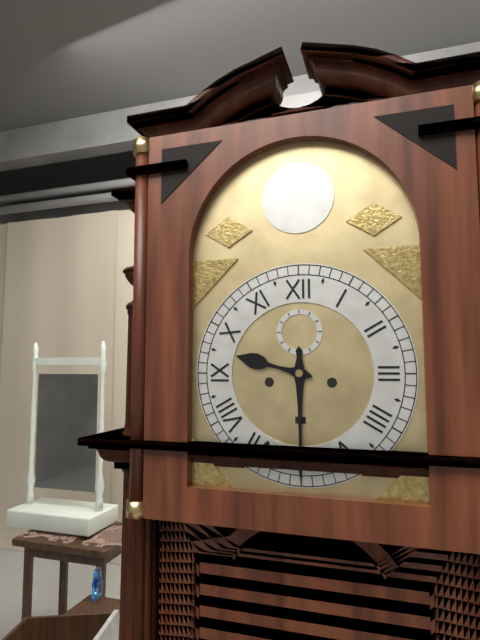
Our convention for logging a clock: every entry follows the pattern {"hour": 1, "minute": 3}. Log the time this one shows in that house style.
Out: {"hour": 9, "minute": 30}
